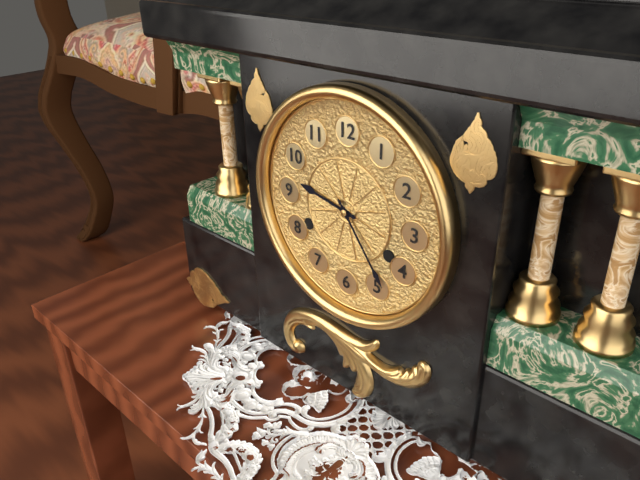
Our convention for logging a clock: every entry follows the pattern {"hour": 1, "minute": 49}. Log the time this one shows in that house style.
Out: {"hour": 9, "minute": 24}
